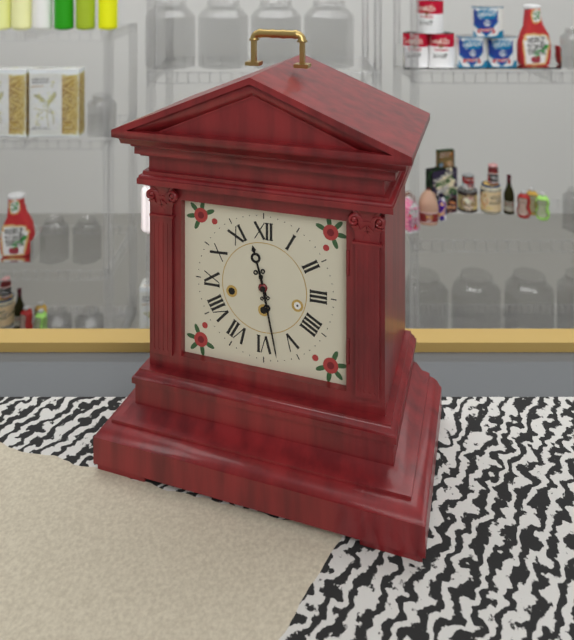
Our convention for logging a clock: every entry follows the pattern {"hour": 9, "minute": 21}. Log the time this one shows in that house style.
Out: {"hour": 11, "minute": 28}
